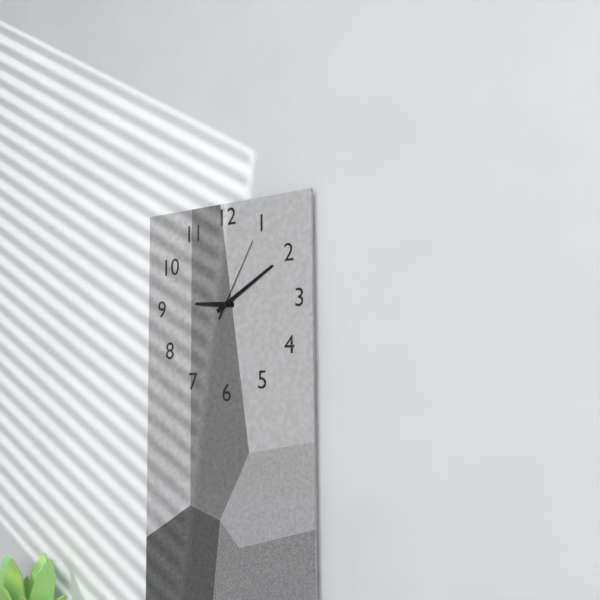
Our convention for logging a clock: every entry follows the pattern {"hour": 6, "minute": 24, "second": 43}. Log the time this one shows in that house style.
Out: {"hour": 9, "minute": 10, "second": 5}
